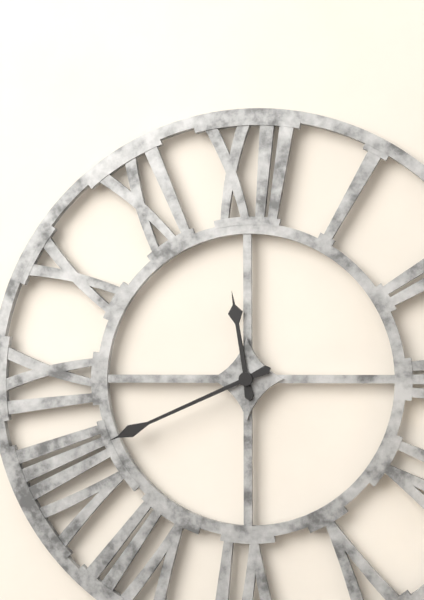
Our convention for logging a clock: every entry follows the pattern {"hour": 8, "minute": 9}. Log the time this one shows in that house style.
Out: {"hour": 11, "minute": 41}
